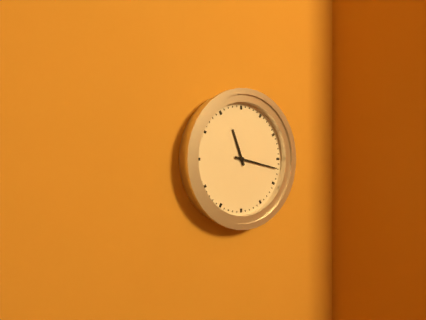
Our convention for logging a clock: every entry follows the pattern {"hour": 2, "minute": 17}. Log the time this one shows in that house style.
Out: {"hour": 11, "minute": 17}
